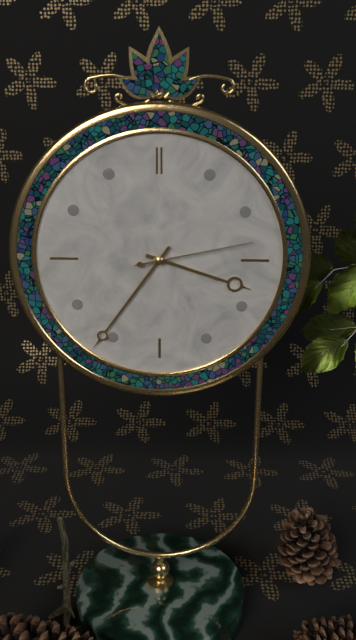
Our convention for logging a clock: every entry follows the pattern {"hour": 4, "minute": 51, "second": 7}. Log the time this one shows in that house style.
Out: {"hour": 3, "minute": 36, "second": 13}
